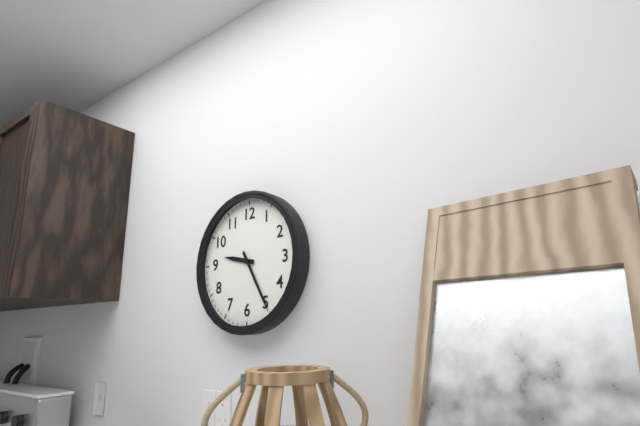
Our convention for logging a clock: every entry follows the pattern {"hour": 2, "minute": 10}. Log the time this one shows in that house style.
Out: {"hour": 9, "minute": 25}
